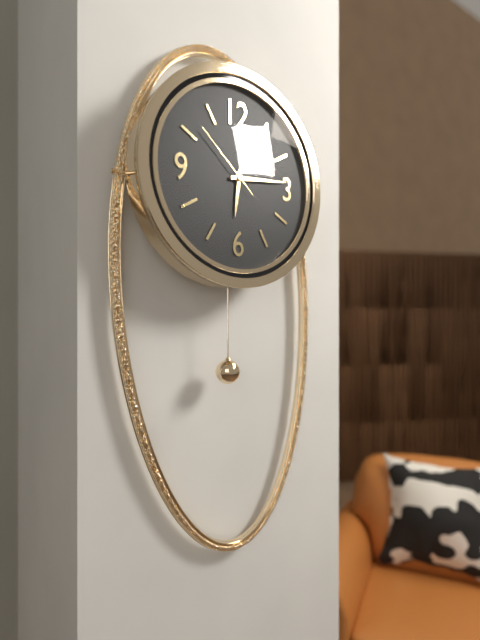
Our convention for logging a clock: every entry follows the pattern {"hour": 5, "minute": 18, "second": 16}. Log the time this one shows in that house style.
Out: {"hour": 6, "minute": 14, "second": 52}
